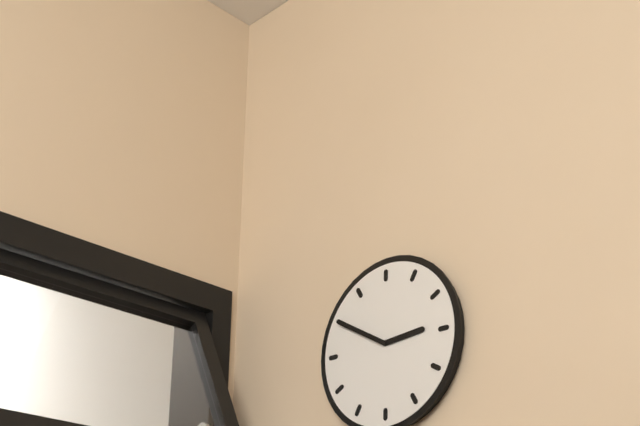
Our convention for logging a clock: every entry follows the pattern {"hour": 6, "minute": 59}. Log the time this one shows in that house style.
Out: {"hour": 2, "minute": 50}
